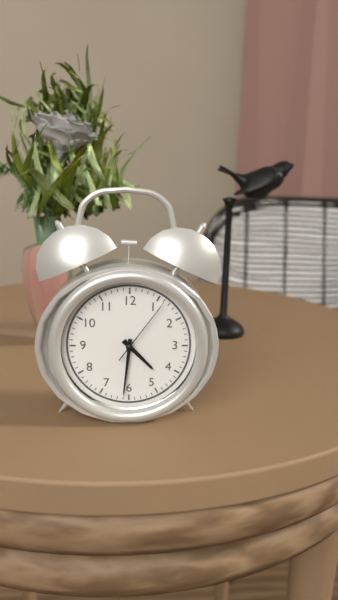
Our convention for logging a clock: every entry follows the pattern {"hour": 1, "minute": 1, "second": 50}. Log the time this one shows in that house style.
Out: {"hour": 4, "minute": 31, "second": 6}
